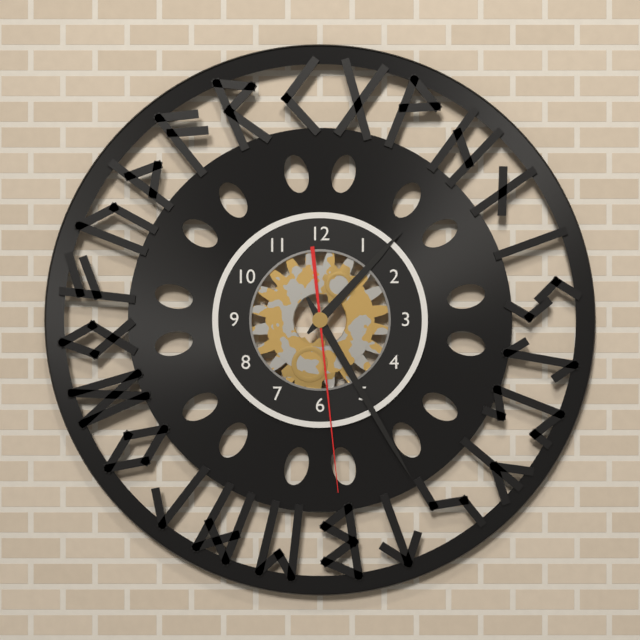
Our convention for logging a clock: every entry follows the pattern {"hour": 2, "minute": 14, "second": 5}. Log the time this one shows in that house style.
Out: {"hour": 1, "minute": 25, "second": 29}
